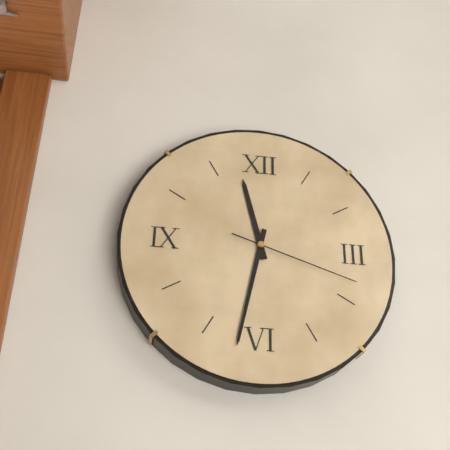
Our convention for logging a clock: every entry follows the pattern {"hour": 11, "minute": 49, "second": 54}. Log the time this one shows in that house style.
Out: {"hour": 11, "minute": 32, "second": 18}
